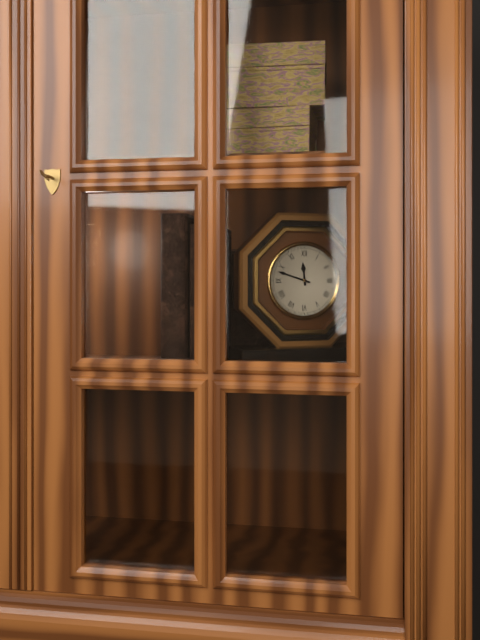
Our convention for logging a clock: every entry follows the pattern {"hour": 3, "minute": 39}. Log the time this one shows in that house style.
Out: {"hour": 11, "minute": 48}
